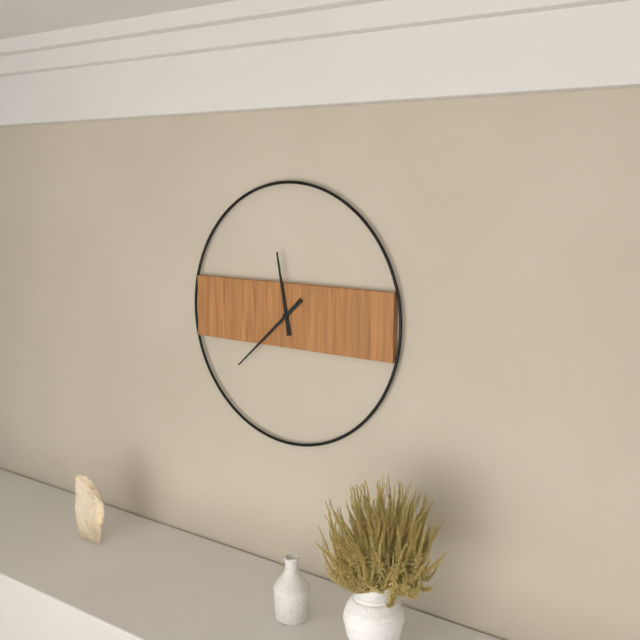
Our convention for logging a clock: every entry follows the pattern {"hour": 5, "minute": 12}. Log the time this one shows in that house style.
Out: {"hour": 11, "minute": 38}
